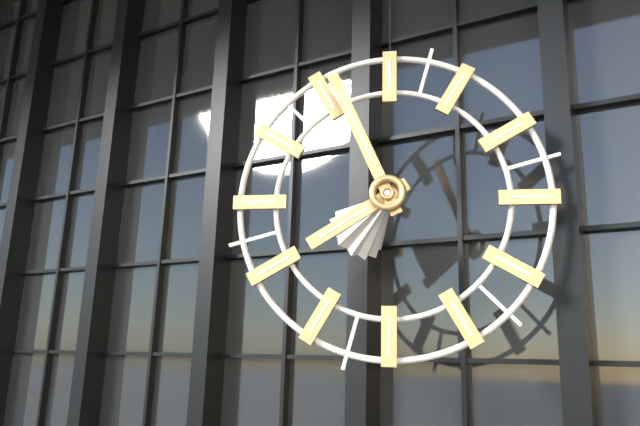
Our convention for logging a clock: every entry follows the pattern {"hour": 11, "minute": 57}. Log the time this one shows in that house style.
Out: {"hour": 7, "minute": 56}
